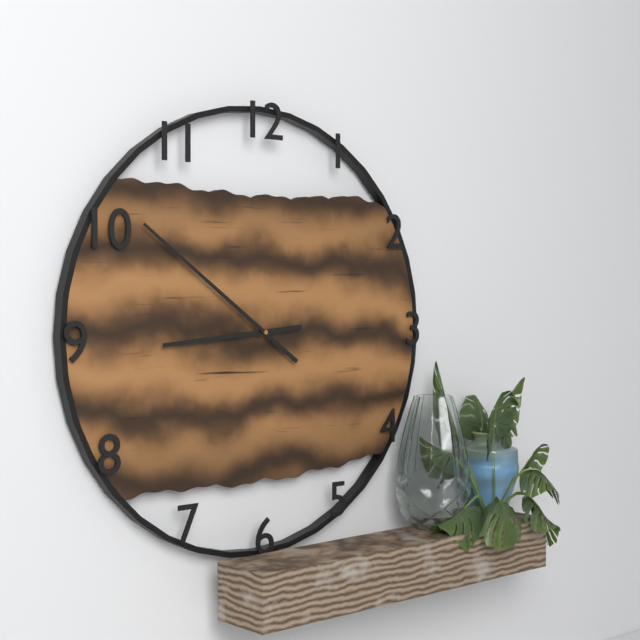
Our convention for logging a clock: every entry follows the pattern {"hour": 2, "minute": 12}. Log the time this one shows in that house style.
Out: {"hour": 8, "minute": 51}
